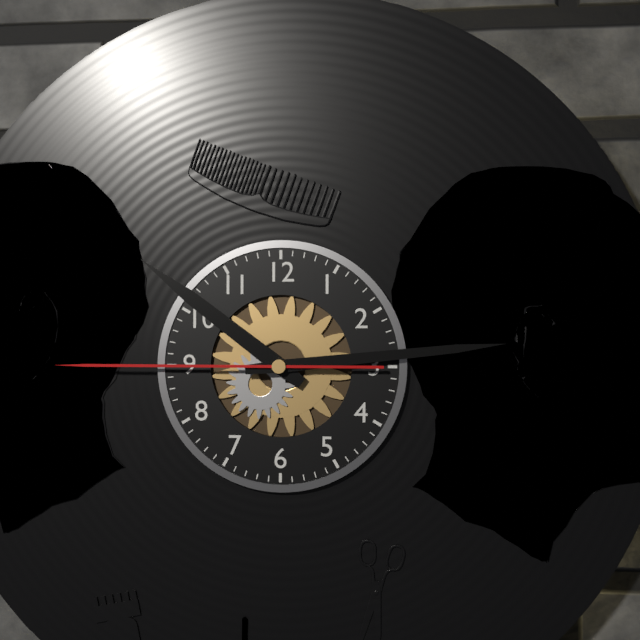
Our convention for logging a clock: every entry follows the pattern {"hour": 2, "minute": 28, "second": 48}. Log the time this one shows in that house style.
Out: {"hour": 10, "minute": 14, "second": 45}
